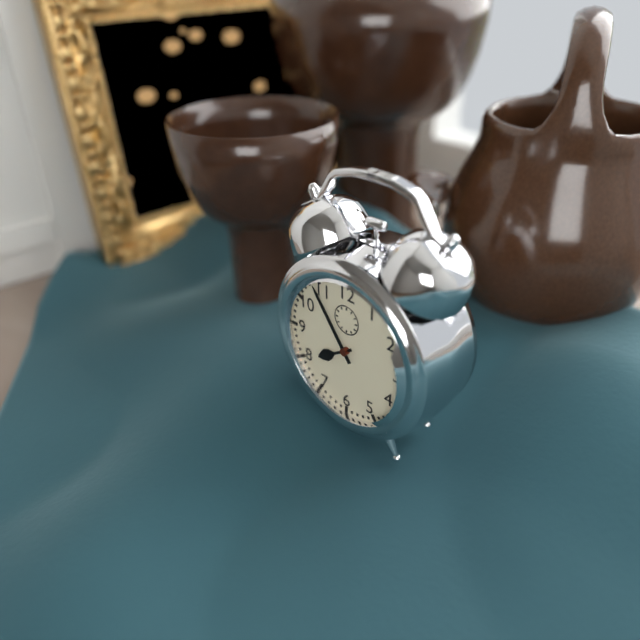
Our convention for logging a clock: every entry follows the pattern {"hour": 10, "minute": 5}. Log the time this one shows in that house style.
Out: {"hour": 7, "minute": 54}
